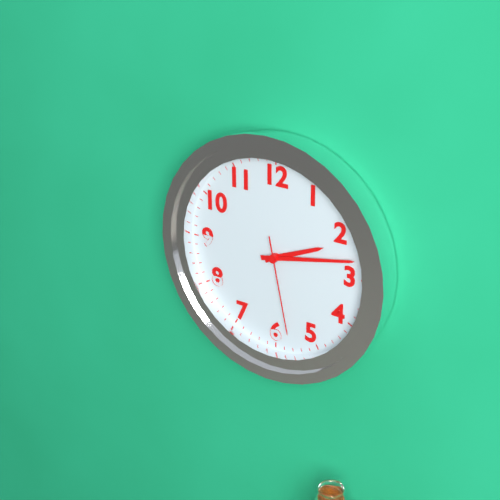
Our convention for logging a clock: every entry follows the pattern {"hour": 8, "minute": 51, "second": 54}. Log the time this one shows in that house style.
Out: {"hour": 2, "minute": 13, "second": 28}
